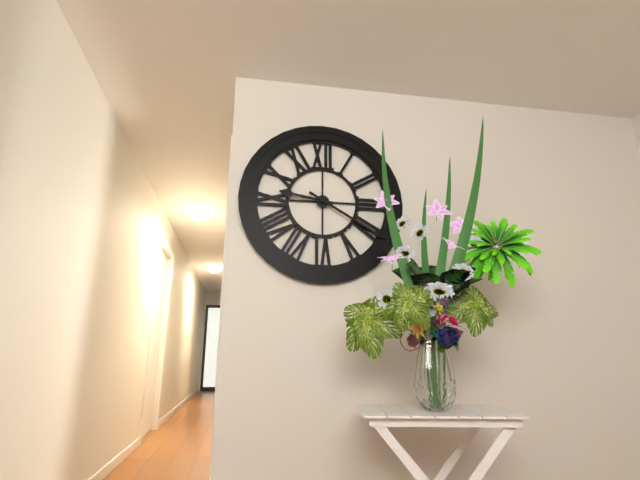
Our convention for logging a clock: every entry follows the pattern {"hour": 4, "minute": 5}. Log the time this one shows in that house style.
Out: {"hour": 9, "minute": 20}
